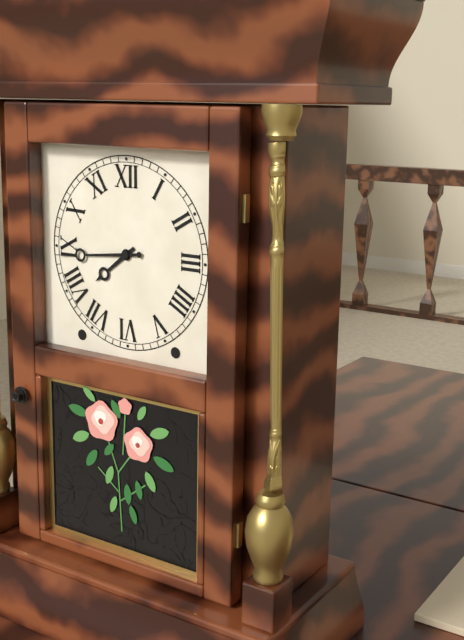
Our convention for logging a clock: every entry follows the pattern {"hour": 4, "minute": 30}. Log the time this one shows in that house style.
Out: {"hour": 7, "minute": 44}
